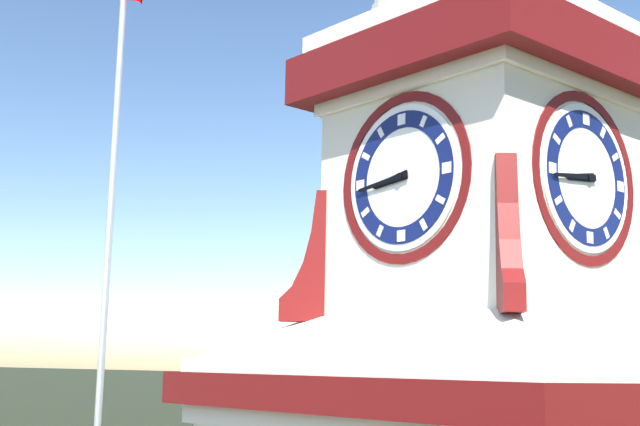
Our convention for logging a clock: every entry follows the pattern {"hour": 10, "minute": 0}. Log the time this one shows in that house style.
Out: {"hour": 8, "minute": 44}
